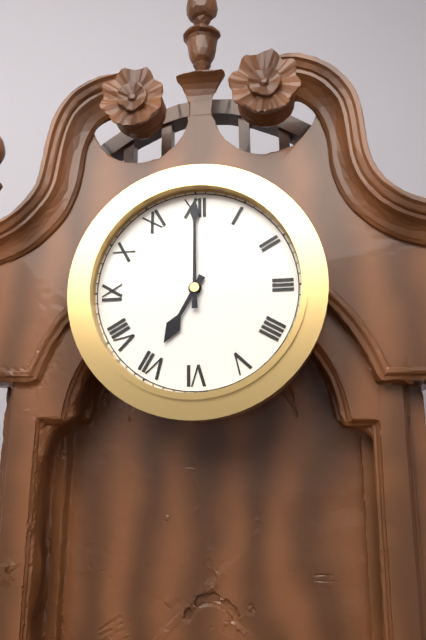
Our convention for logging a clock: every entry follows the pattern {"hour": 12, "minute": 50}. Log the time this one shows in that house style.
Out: {"hour": 7, "minute": 0}
